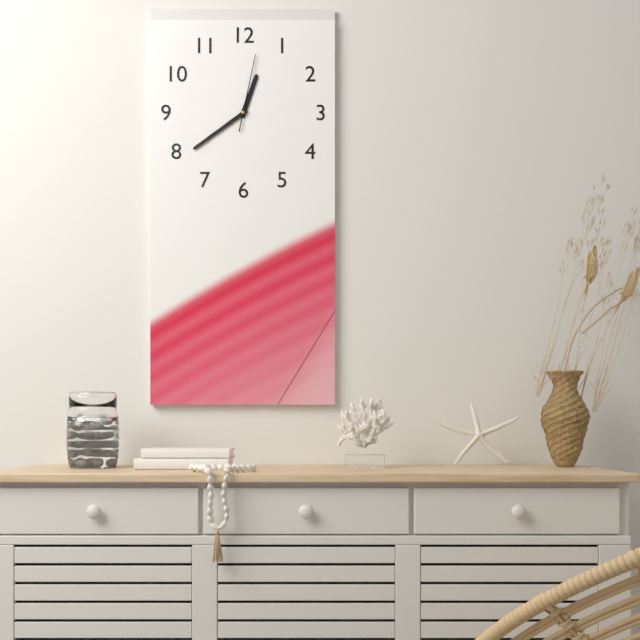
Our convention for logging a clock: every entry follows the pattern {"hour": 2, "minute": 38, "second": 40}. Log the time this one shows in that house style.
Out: {"hour": 12, "minute": 39, "second": 2}
